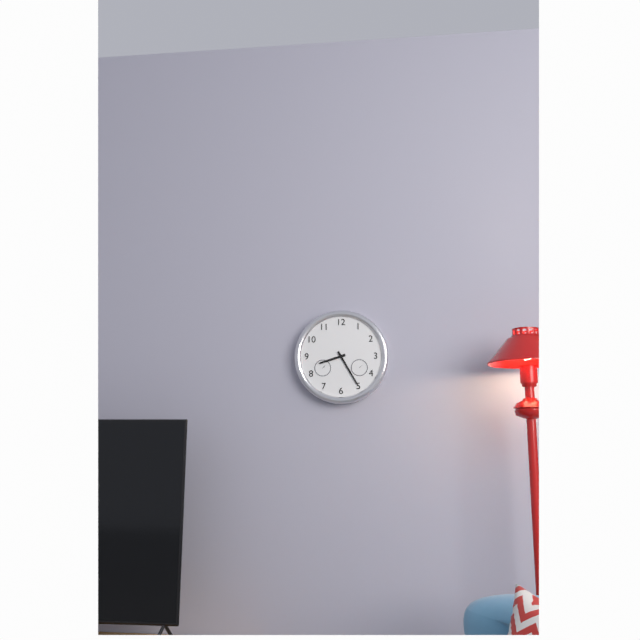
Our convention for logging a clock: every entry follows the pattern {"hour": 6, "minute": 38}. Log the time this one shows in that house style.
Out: {"hour": 8, "minute": 25}
